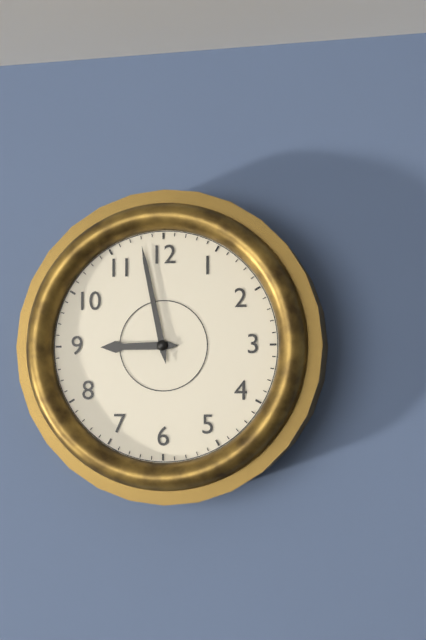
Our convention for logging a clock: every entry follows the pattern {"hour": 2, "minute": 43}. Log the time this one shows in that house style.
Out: {"hour": 8, "minute": 58}
